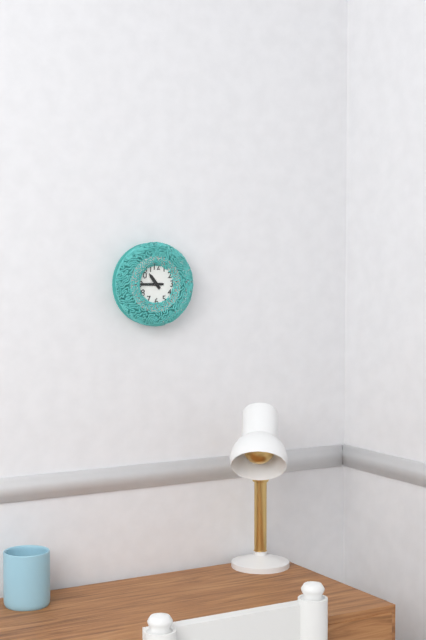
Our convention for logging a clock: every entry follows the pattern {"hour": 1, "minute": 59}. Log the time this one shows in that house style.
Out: {"hour": 10, "minute": 45}
